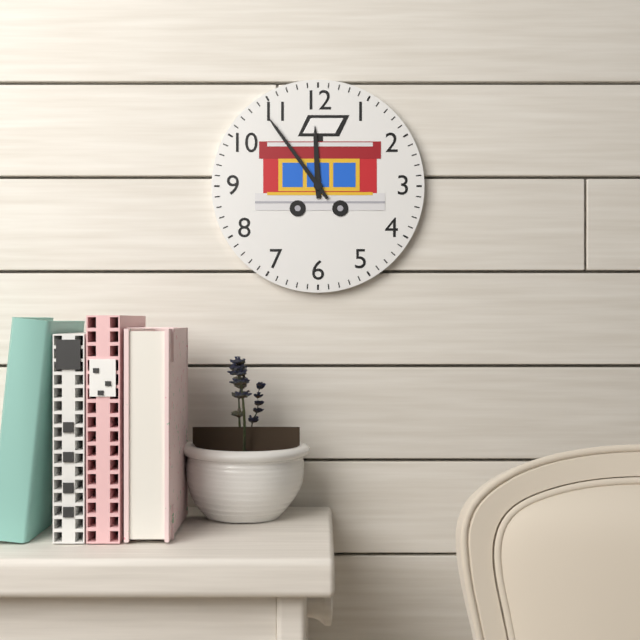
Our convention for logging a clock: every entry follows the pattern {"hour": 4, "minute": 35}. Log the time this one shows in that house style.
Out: {"hour": 11, "minute": 54}
